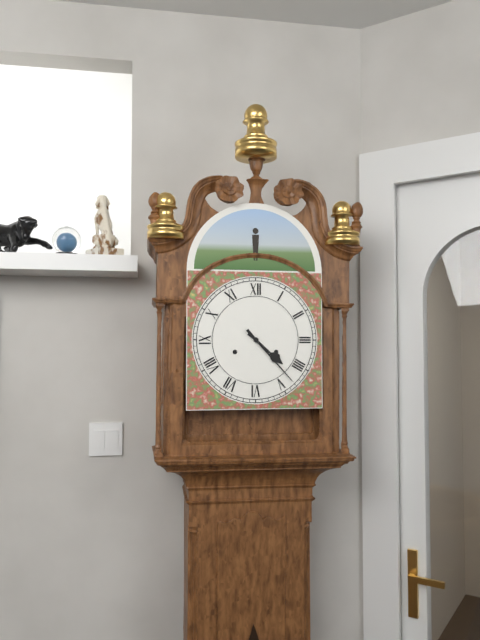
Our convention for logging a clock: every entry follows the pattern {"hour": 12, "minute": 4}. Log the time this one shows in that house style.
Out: {"hour": 4, "minute": 23}
